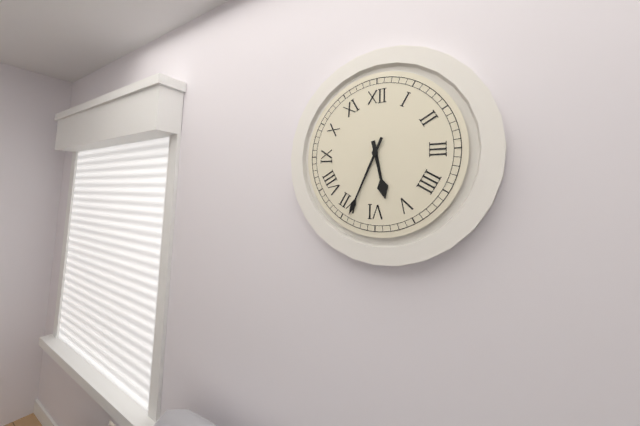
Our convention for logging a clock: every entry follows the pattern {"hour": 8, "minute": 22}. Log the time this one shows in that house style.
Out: {"hour": 5, "minute": 34}
